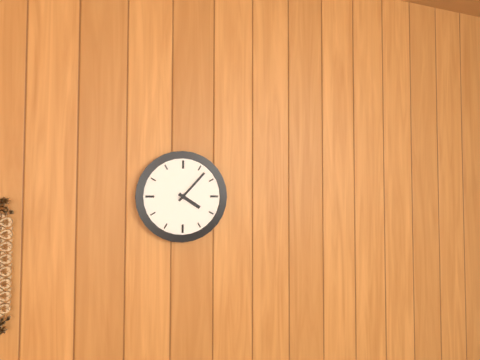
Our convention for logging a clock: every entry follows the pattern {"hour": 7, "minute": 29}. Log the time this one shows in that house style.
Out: {"hour": 4, "minute": 7}
